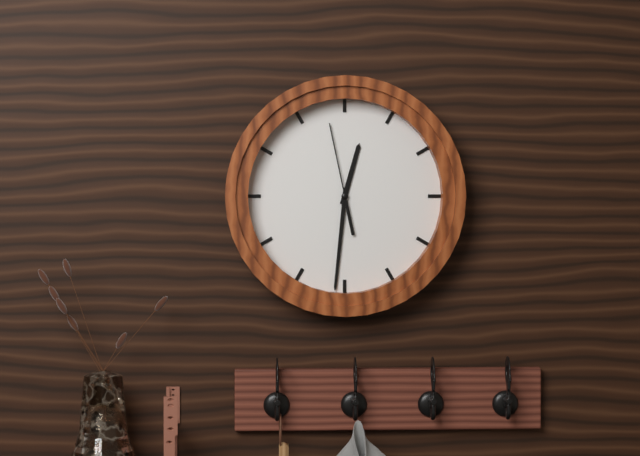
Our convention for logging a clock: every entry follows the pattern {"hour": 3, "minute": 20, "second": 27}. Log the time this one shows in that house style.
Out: {"hour": 12, "minute": 31, "second": 58}
